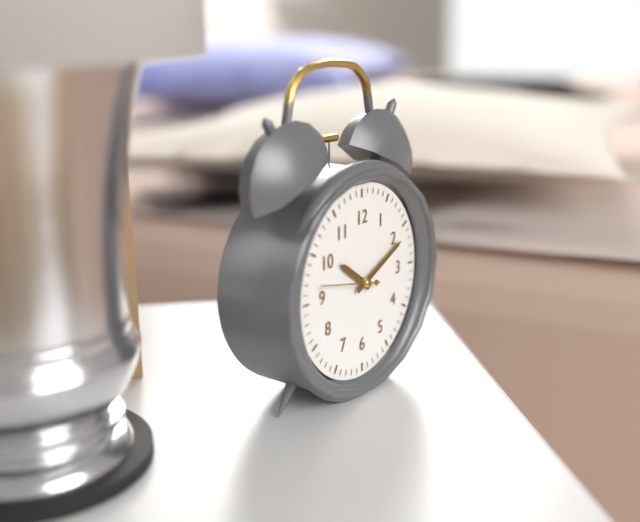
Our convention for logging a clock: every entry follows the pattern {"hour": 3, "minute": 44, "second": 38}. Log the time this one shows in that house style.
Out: {"hour": 10, "minute": 11, "second": 47}
